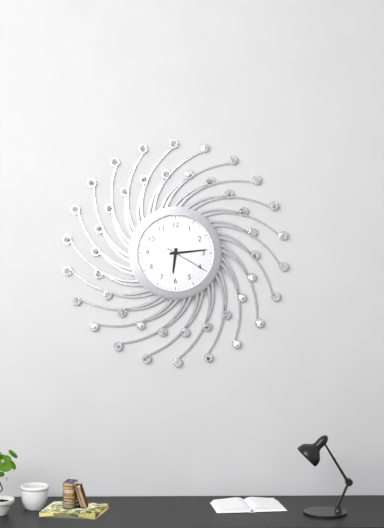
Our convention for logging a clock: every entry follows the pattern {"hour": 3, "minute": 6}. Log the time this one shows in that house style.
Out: {"hour": 6, "minute": 14}
